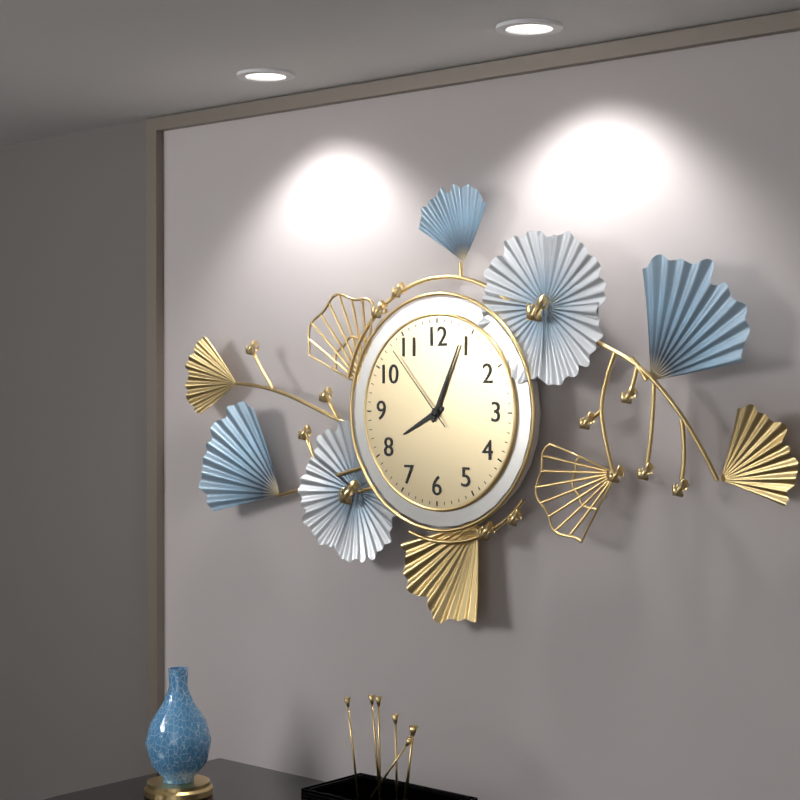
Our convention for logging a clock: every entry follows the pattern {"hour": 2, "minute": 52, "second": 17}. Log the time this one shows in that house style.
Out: {"hour": 8, "minute": 4, "second": 53}
